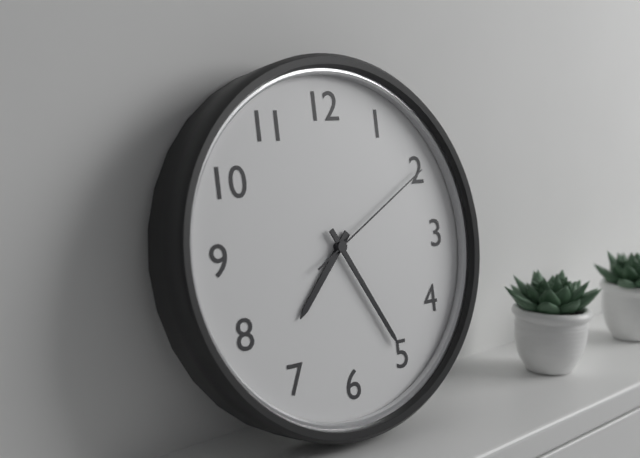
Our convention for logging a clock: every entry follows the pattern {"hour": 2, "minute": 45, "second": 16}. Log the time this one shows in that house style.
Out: {"hour": 7, "minute": 25, "second": 10}
